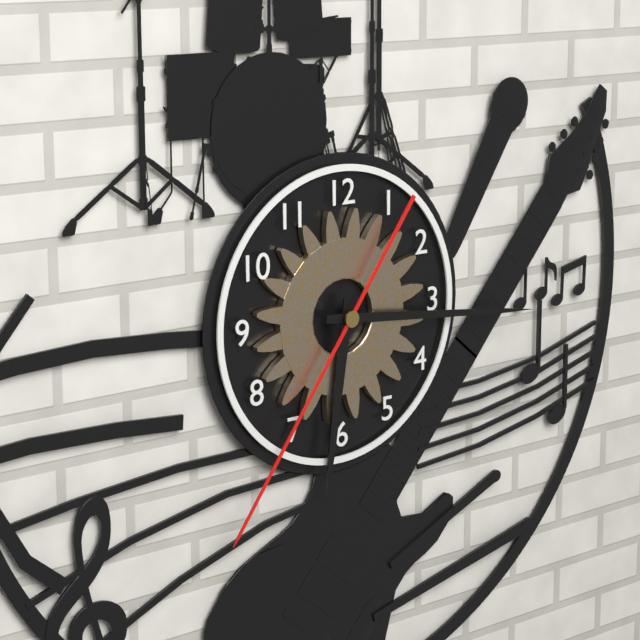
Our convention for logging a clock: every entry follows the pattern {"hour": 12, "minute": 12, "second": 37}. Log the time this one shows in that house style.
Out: {"hour": 6, "minute": 16, "second": 36}
